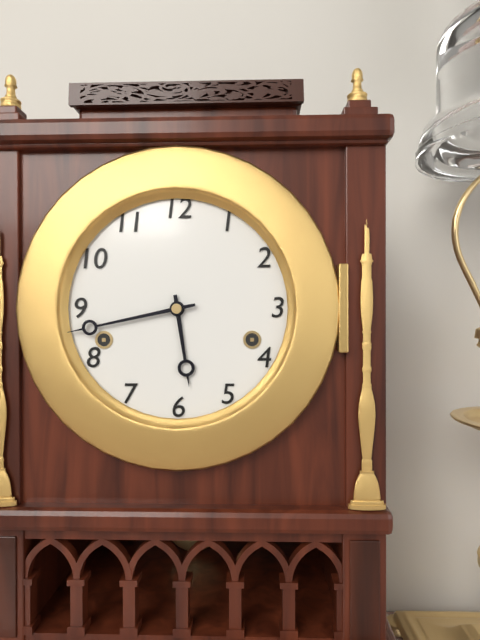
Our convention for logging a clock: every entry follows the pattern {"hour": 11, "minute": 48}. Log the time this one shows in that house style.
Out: {"hour": 5, "minute": 43}
